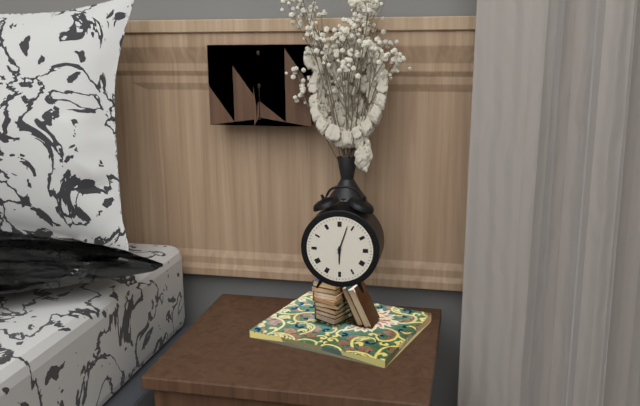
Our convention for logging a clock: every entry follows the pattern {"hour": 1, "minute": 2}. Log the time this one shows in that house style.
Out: {"hour": 6, "minute": 3}
